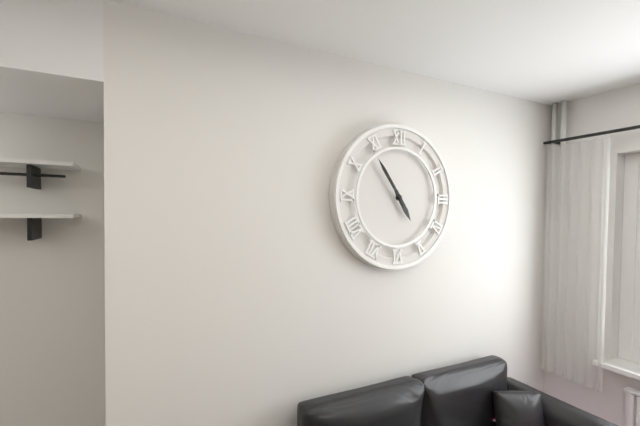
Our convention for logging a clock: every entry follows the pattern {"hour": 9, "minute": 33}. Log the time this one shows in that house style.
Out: {"hour": 4, "minute": 54}
